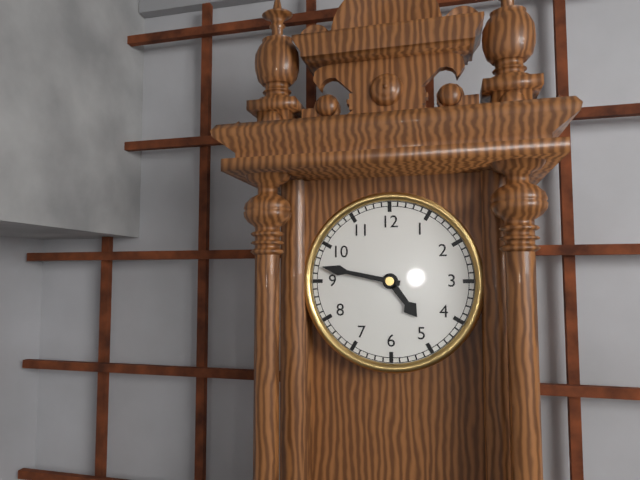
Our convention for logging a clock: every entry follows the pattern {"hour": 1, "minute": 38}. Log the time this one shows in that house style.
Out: {"hour": 4, "minute": 47}
